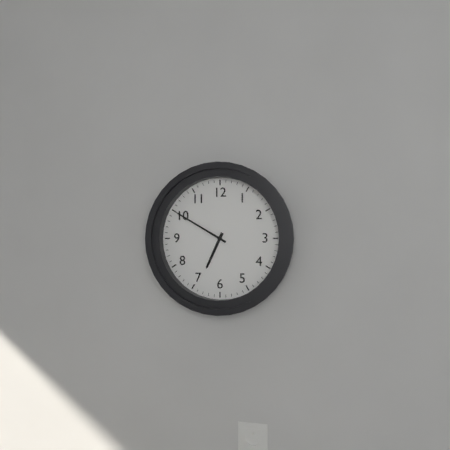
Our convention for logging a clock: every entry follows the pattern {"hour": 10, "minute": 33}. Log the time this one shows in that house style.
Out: {"hour": 6, "minute": 50}
